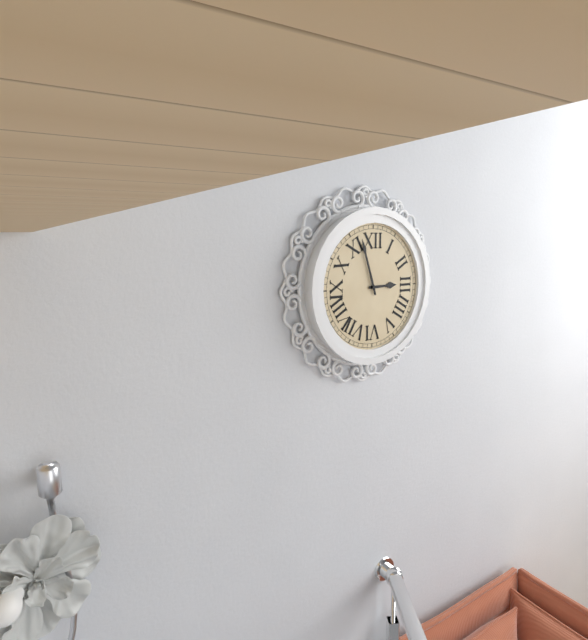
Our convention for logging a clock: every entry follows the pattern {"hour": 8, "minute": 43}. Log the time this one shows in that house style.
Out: {"hour": 2, "minute": 57}
